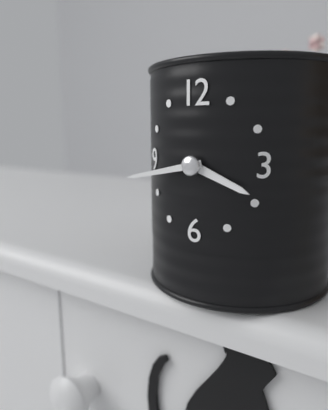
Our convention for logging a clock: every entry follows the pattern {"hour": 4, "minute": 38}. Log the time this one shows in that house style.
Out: {"hour": 3, "minute": 43}
